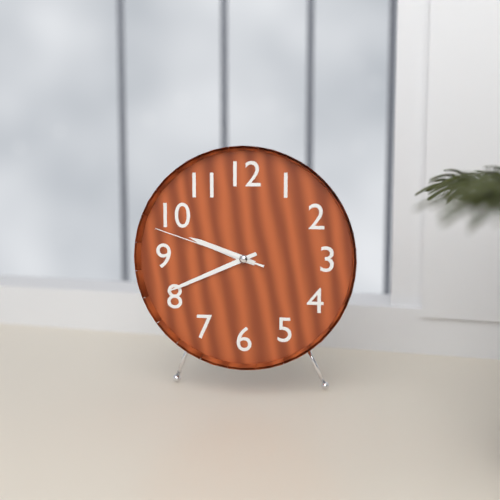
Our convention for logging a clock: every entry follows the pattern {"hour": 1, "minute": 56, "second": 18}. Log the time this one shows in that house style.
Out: {"hour": 9, "minute": 41, "second": 48}
